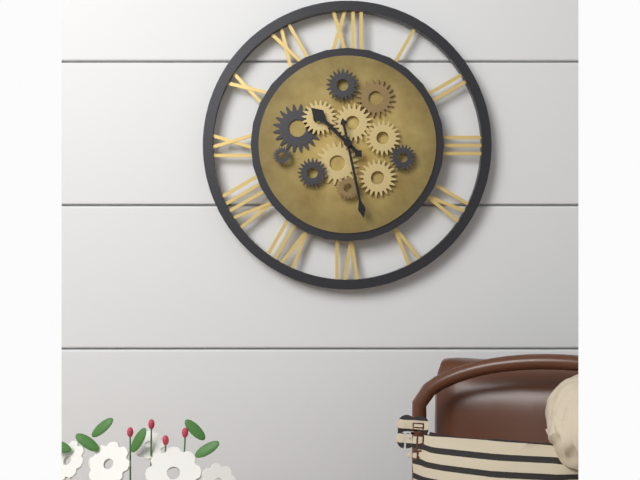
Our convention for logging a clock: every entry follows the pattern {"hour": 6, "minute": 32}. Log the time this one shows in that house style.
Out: {"hour": 10, "minute": 28}
